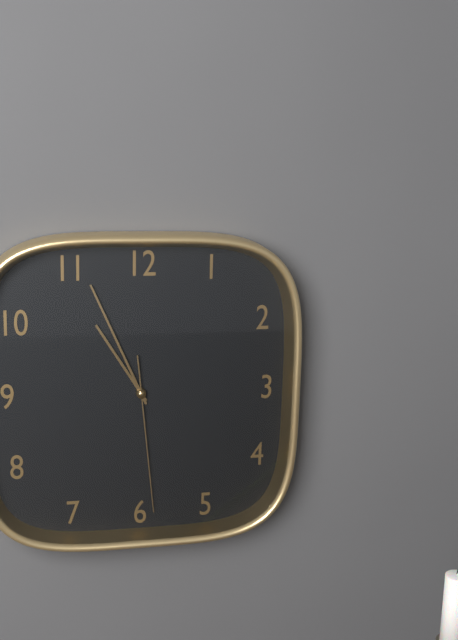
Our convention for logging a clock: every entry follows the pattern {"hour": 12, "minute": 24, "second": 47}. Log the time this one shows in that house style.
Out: {"hour": 10, "minute": 56, "second": 29}
